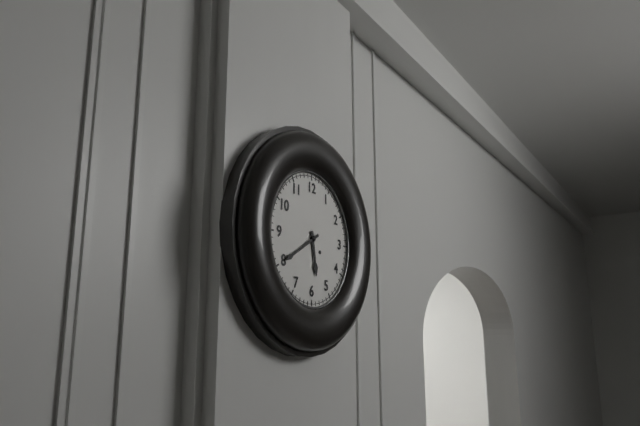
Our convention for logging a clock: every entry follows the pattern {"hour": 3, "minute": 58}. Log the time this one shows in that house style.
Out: {"hour": 5, "minute": 40}
